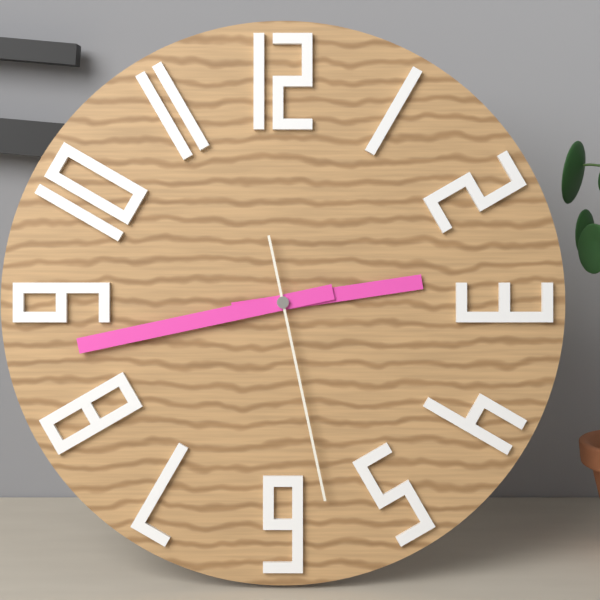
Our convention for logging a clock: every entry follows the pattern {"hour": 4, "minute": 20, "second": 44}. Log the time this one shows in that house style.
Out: {"hour": 2, "minute": 43, "second": 28}
